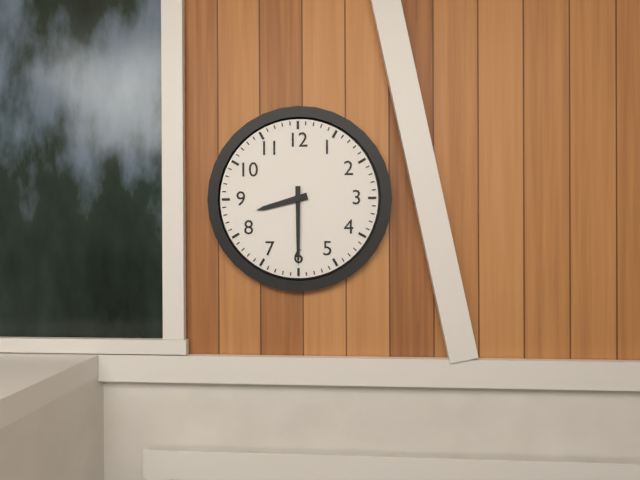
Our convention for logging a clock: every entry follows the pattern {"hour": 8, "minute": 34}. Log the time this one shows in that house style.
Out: {"hour": 8, "minute": 30}
